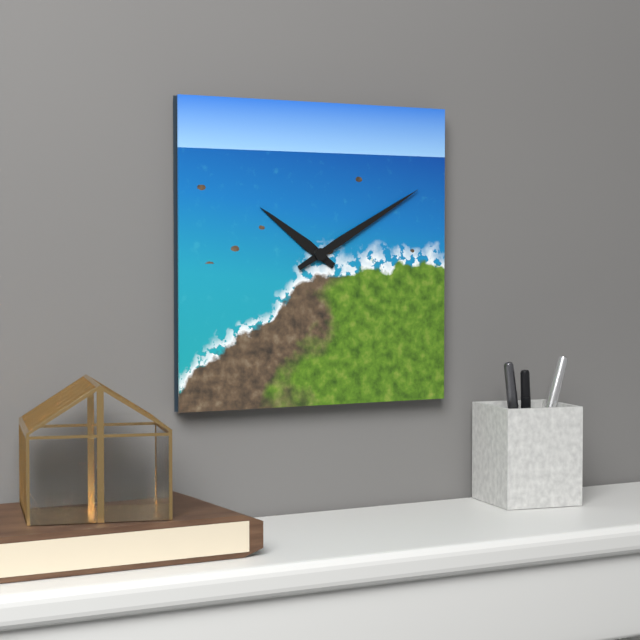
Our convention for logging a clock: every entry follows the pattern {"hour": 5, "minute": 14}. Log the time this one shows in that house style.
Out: {"hour": 10, "minute": 10}
